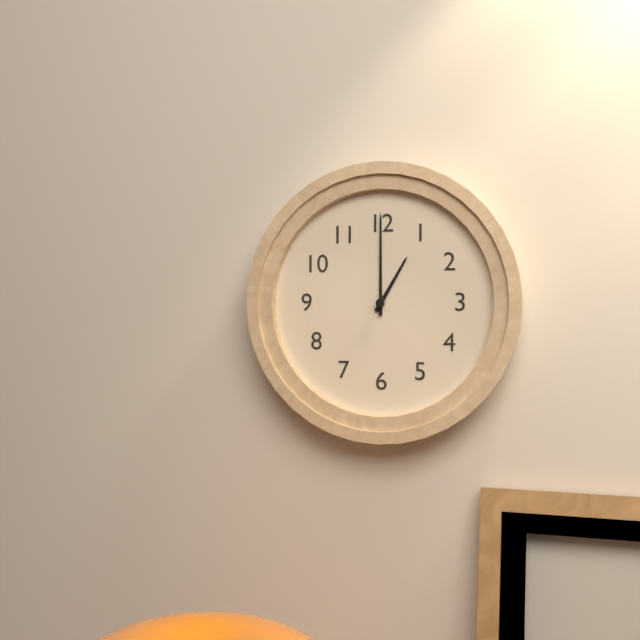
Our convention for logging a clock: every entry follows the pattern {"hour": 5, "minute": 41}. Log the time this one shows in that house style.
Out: {"hour": 1, "minute": 0}
